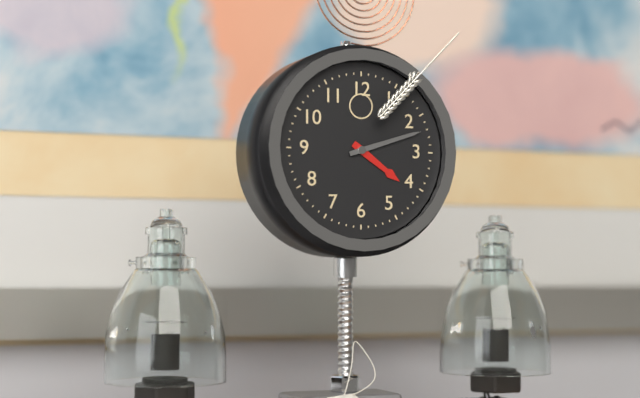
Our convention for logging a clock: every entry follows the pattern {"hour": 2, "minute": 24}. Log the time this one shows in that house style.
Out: {"hour": 4, "minute": 12}
